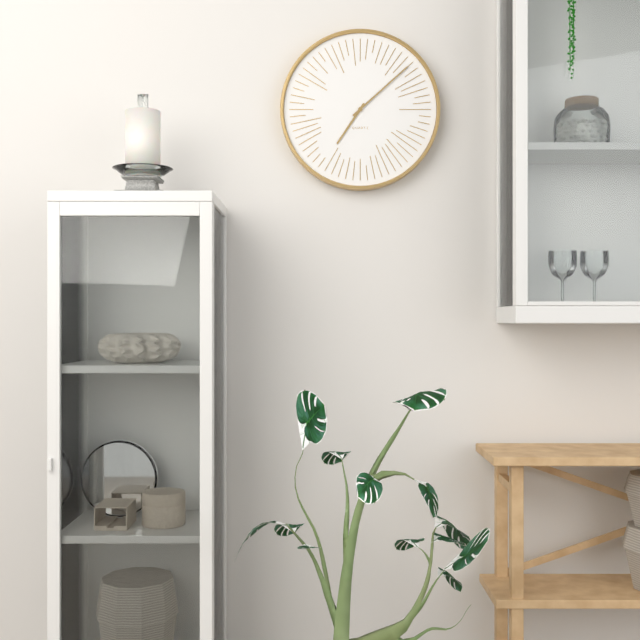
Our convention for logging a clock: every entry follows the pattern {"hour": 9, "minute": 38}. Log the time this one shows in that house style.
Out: {"hour": 7, "minute": 8}
